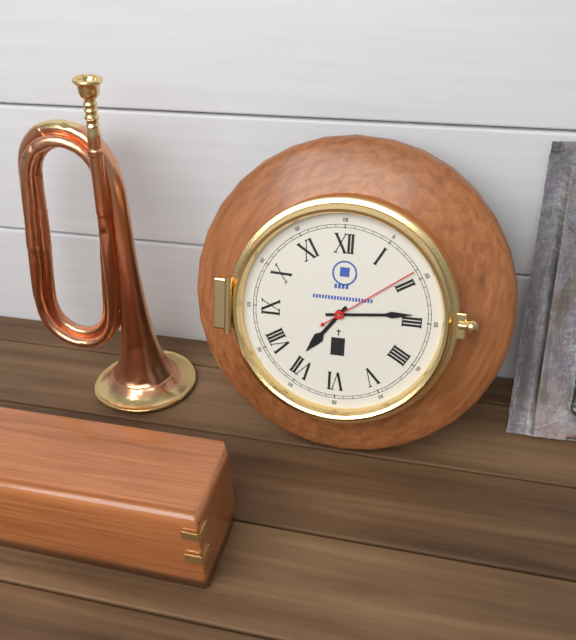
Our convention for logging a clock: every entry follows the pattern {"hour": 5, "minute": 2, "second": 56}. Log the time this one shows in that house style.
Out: {"hour": 7, "minute": 14, "second": 9}
